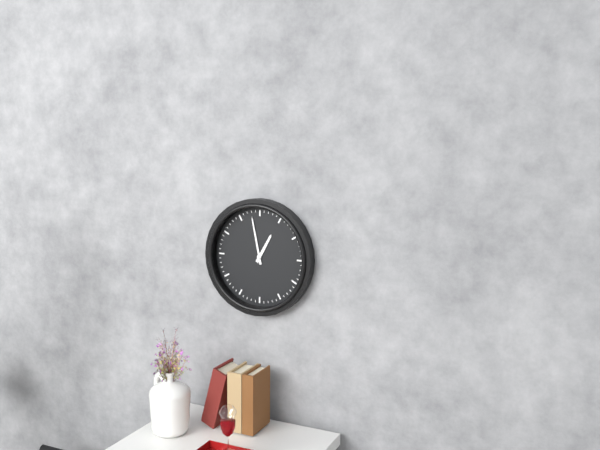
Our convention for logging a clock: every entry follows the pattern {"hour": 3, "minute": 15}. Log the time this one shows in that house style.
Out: {"hour": 12, "minute": 58}
